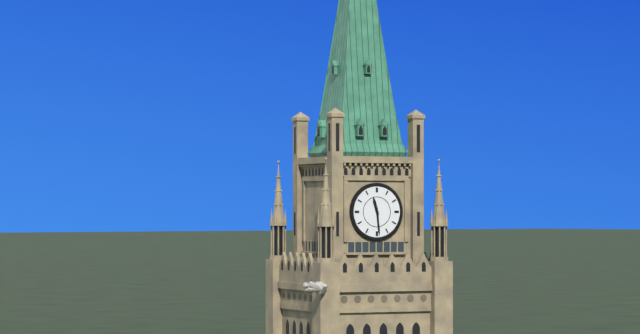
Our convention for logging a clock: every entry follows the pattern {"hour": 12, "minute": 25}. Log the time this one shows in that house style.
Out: {"hour": 11, "minute": 29}
